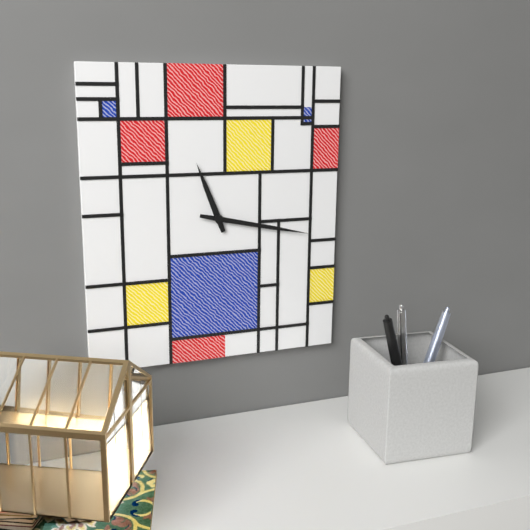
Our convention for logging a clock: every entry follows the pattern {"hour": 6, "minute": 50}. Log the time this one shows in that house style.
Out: {"hour": 11, "minute": 17}
